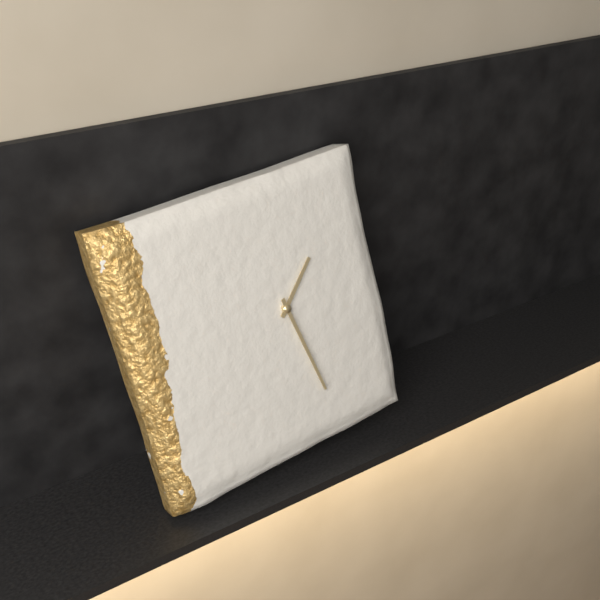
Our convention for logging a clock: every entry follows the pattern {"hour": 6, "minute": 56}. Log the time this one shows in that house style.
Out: {"hour": 1, "minute": 28}
